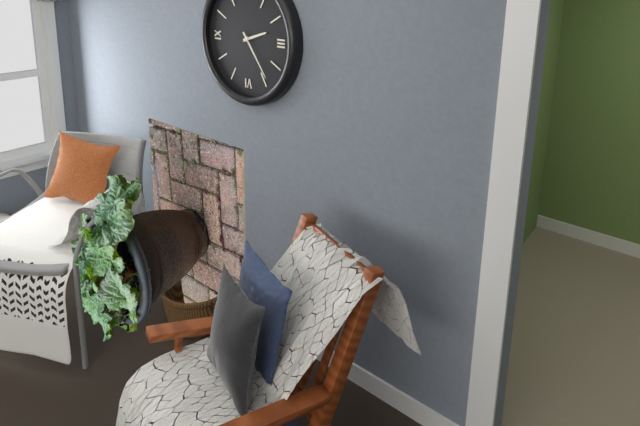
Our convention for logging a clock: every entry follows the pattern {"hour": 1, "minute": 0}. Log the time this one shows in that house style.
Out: {"hour": 2, "minute": 24}
